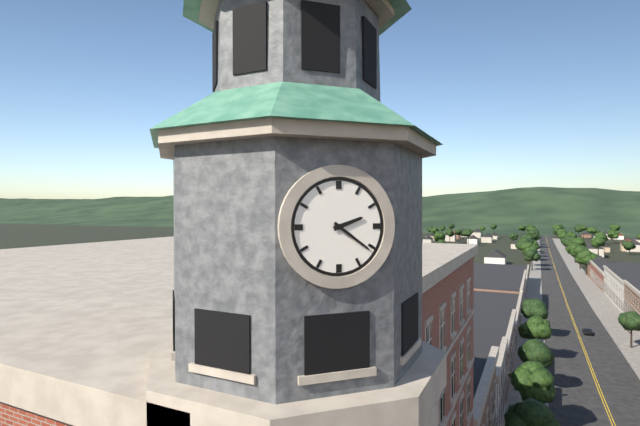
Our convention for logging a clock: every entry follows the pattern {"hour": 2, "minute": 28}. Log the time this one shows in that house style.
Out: {"hour": 2, "minute": 21}
